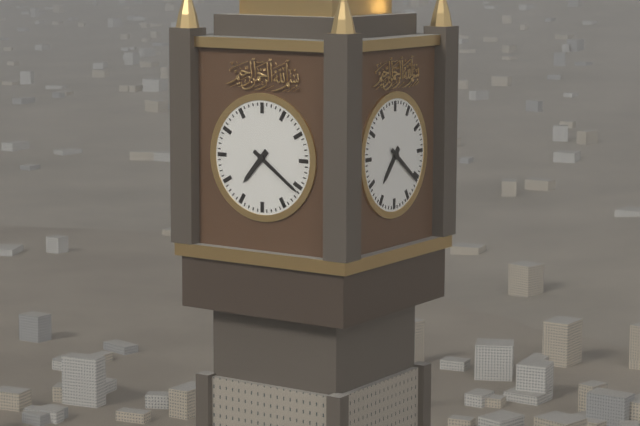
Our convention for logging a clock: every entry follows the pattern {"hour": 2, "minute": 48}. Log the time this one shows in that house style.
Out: {"hour": 7, "minute": 21}
